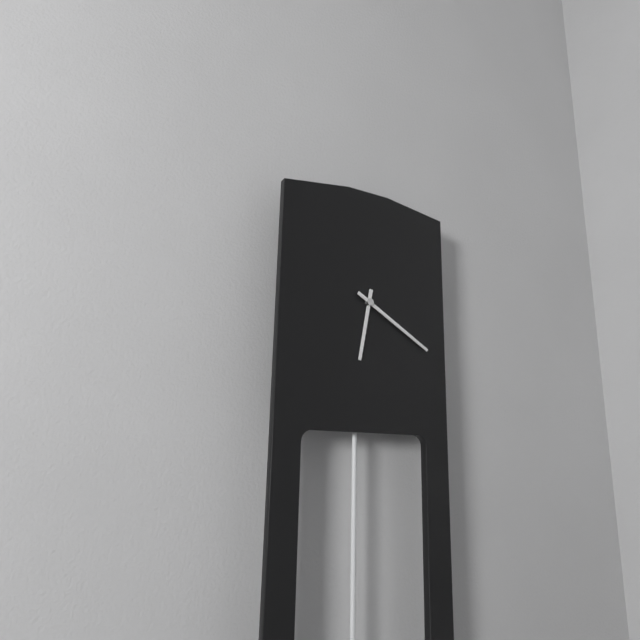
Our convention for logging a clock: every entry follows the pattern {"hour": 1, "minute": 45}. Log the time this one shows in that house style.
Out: {"hour": 6, "minute": 20}
